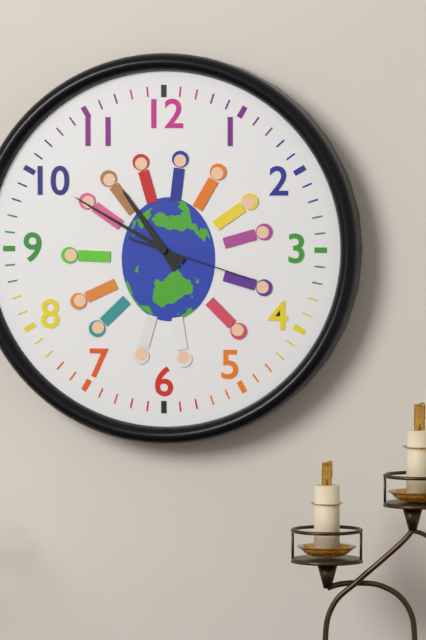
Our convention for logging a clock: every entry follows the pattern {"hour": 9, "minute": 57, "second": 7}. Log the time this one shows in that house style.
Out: {"hour": 10, "minute": 50, "second": 18}
